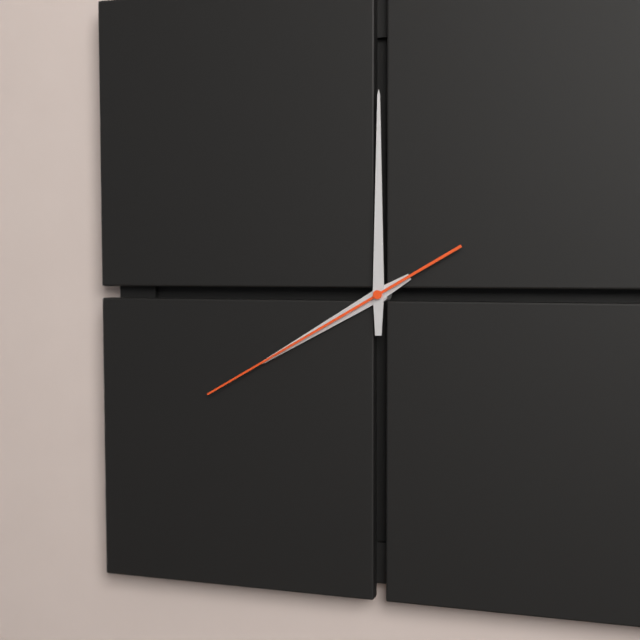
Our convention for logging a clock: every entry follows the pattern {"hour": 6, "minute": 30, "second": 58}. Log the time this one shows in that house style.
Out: {"hour": 8, "minute": 0, "second": 40}
